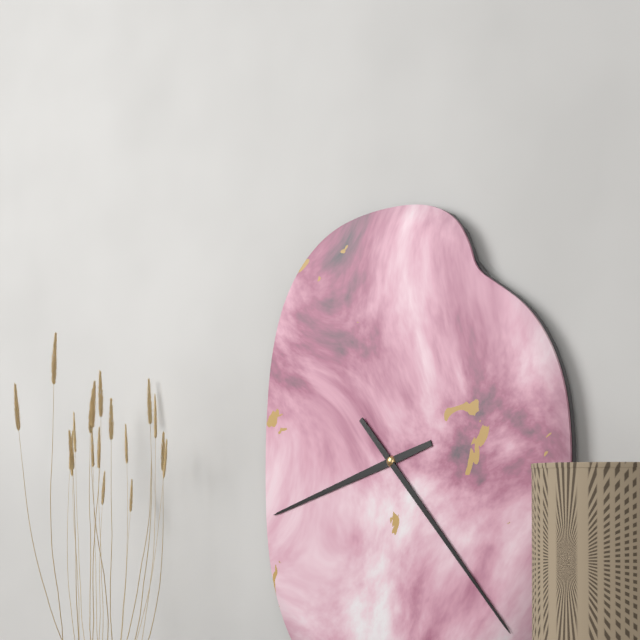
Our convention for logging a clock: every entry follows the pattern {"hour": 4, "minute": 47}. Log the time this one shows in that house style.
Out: {"hour": 8, "minute": 23}
